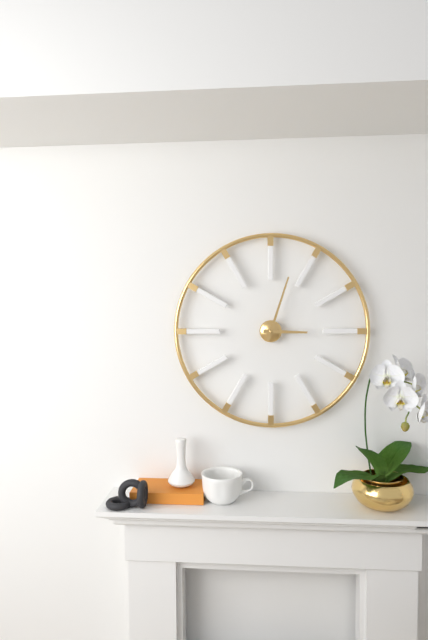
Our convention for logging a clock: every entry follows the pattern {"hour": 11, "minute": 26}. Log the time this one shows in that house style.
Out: {"hour": 3, "minute": 3}
